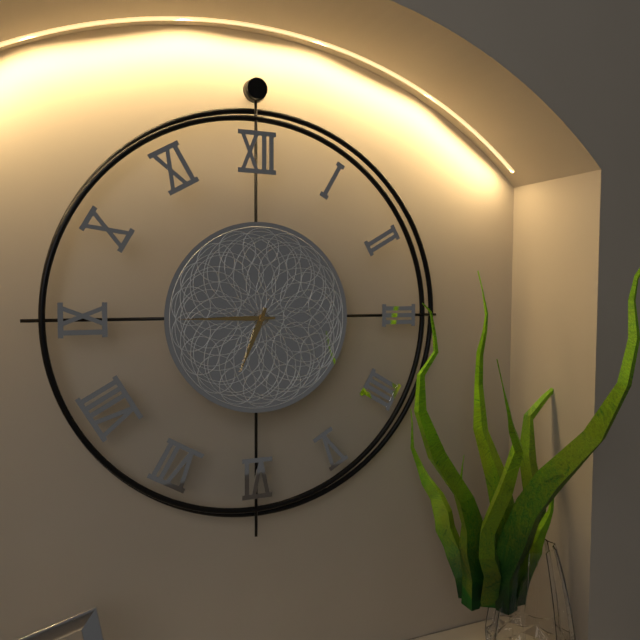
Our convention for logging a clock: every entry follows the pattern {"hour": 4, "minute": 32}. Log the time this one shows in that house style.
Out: {"hour": 6, "minute": 45}
